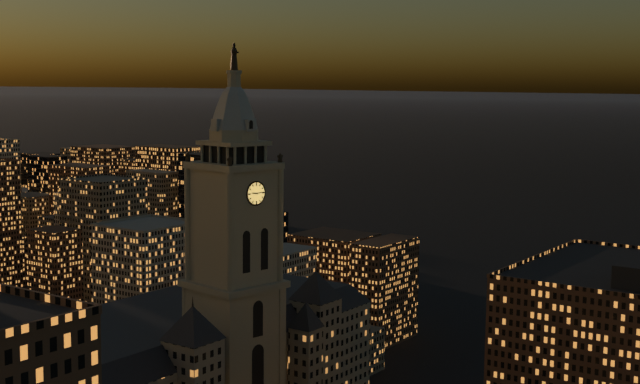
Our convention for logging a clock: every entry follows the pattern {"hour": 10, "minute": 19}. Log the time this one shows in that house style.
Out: {"hour": 9, "minute": 14}
